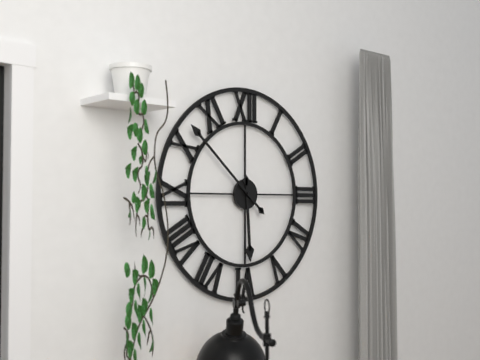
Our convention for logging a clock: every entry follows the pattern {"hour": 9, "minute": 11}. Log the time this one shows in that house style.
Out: {"hour": 5, "minute": 52}
